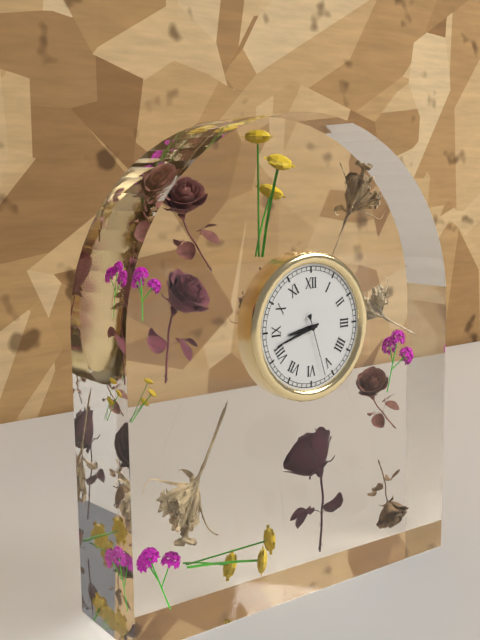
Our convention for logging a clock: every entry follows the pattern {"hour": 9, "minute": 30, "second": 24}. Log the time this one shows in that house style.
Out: {"hour": 8, "minute": 42, "second": 27}
